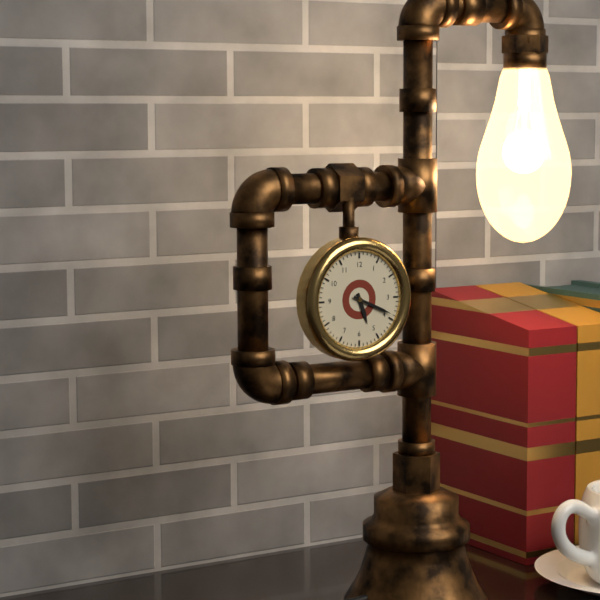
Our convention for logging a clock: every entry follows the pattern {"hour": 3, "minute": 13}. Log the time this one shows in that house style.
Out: {"hour": 5, "minute": 19}
